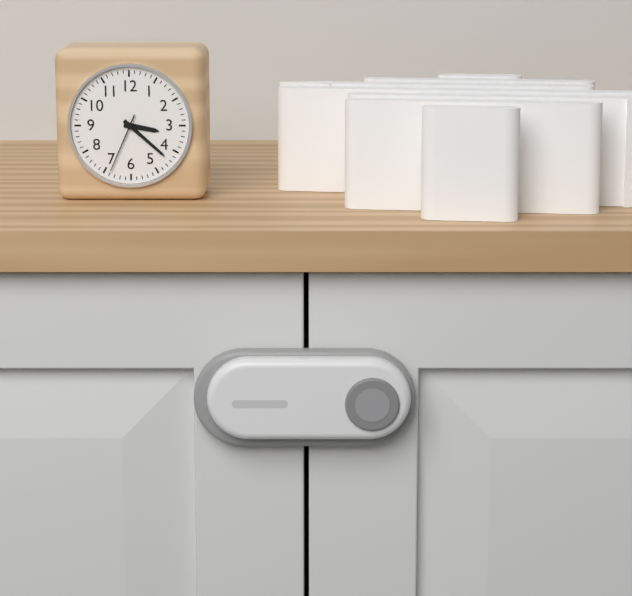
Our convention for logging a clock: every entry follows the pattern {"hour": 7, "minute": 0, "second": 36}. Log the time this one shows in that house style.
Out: {"hour": 3, "minute": 22, "second": 34}
